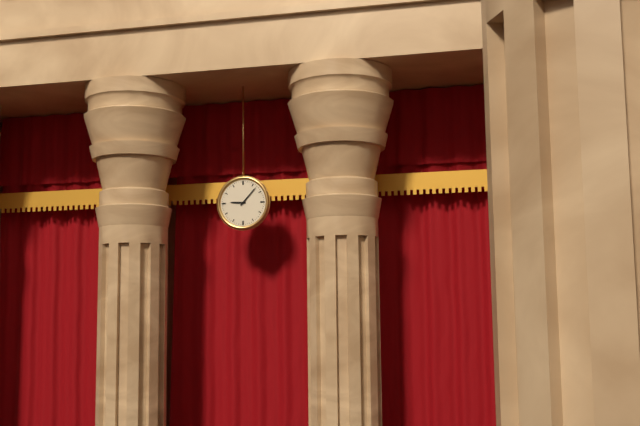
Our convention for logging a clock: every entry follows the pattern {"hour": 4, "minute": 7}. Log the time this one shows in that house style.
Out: {"hour": 9, "minute": 7}
